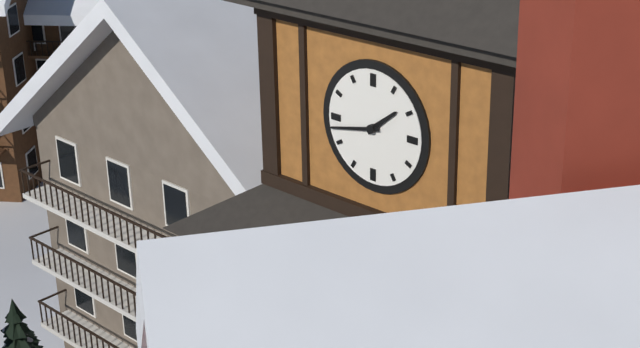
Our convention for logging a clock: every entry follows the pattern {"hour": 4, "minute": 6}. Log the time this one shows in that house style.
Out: {"hour": 1, "minute": 43}
